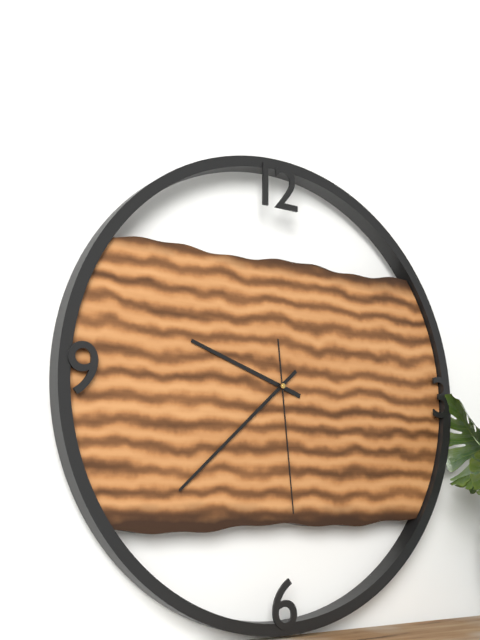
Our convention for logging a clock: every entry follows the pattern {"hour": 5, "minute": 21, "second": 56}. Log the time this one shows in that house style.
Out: {"hour": 9, "minute": 38, "second": 29}
